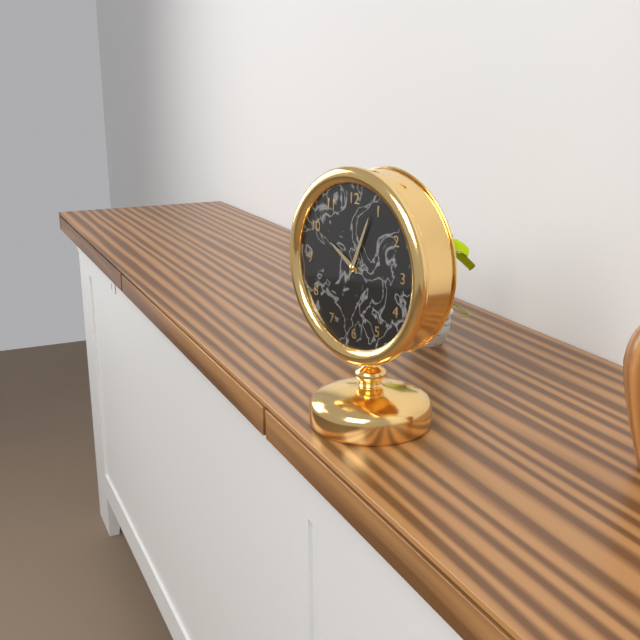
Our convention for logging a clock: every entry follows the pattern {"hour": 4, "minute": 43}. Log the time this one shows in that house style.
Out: {"hour": 10, "minute": 4}
